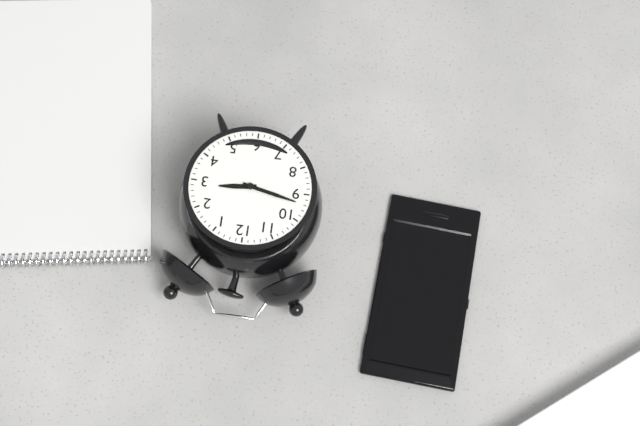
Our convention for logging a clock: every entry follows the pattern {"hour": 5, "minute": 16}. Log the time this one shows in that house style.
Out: {"hour": 2, "minute": 47}
